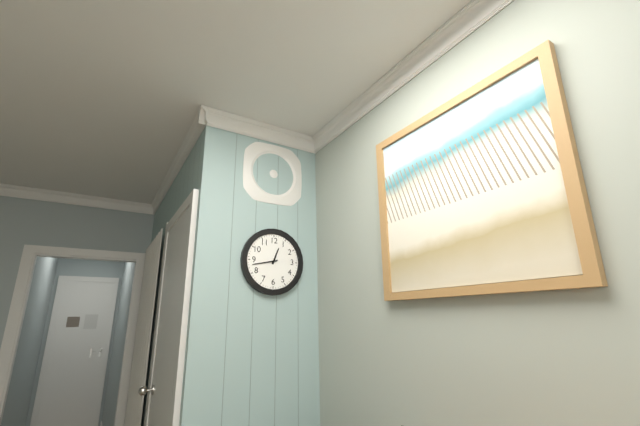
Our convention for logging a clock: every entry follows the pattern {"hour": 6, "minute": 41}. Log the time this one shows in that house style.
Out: {"hour": 12, "minute": 43}
